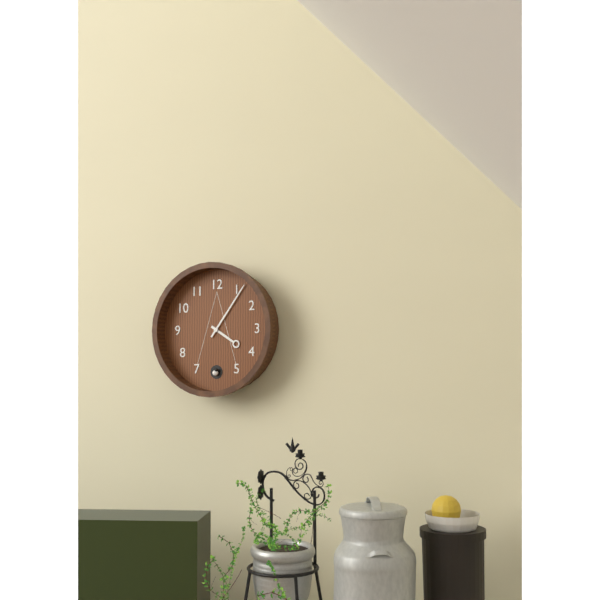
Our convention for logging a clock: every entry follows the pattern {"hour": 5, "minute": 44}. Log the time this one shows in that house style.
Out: {"hour": 4, "minute": 6}
